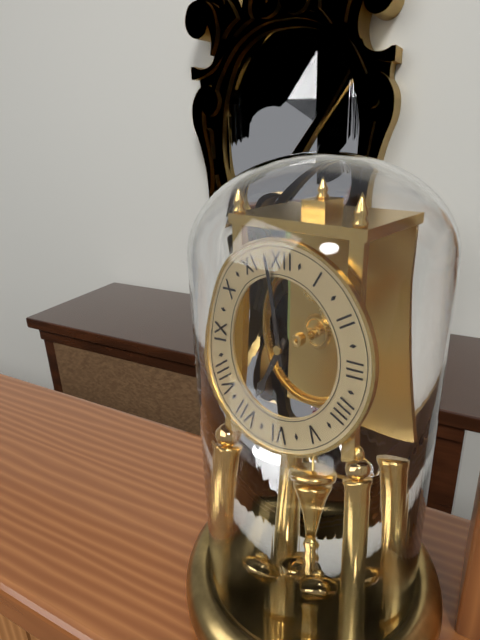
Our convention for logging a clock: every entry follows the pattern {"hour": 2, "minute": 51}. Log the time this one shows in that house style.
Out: {"hour": 6, "minute": 58}
